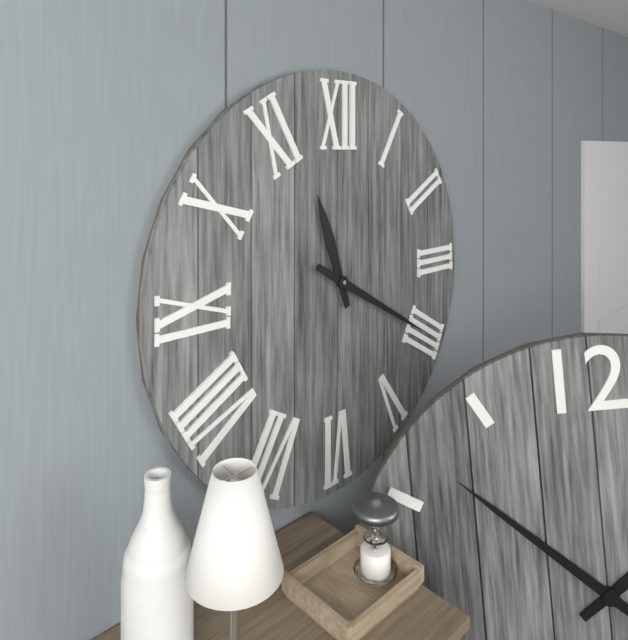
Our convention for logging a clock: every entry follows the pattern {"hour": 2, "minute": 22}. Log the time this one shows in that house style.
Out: {"hour": 11, "minute": 20}
